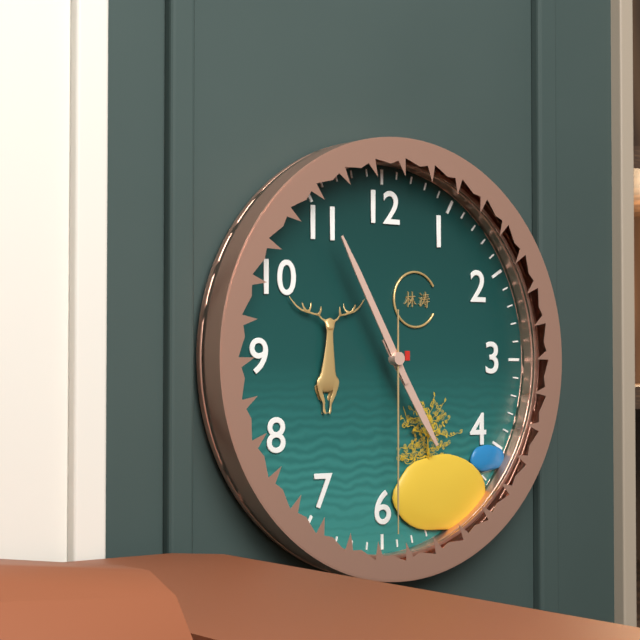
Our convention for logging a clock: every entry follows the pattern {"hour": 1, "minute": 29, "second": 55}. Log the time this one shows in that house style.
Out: {"hour": 4, "minute": 55, "second": 30}
